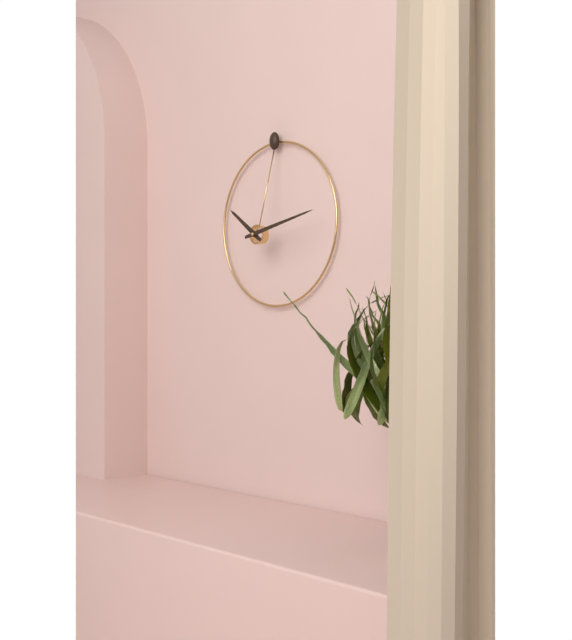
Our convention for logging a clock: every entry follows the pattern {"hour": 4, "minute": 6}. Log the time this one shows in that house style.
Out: {"hour": 10, "minute": 13}
